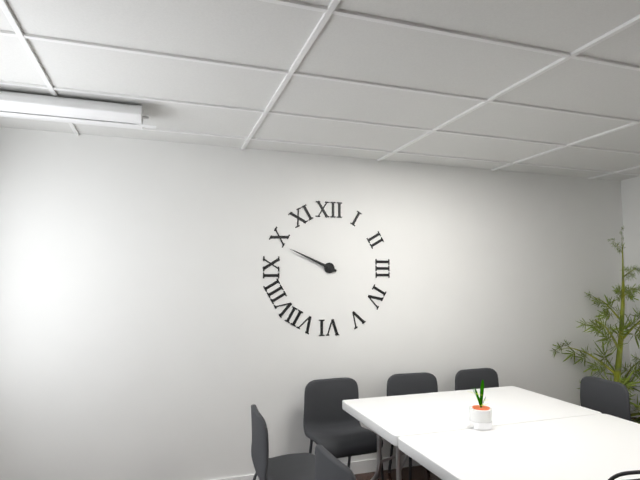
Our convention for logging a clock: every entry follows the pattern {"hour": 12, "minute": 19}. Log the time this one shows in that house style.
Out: {"hour": 9, "minute": 49}
